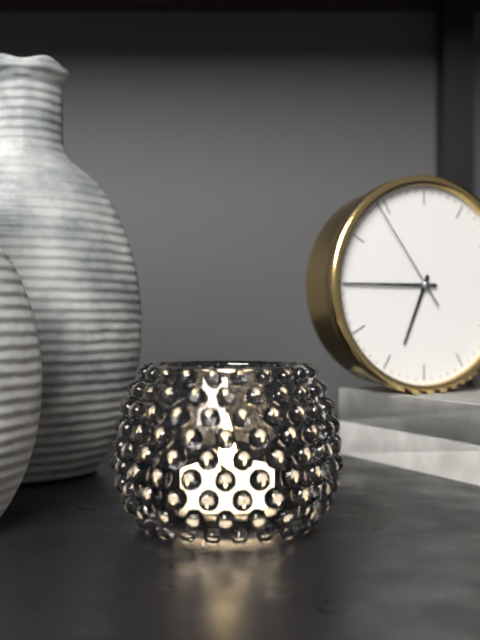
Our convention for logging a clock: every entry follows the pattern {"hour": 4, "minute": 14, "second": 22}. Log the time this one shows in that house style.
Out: {"hour": 6, "minute": 45, "second": 54}
